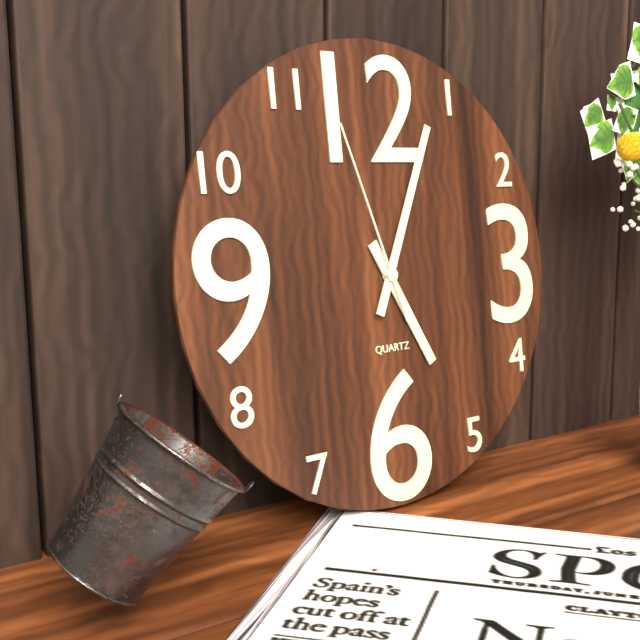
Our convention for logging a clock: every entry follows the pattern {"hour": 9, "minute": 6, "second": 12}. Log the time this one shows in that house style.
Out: {"hour": 5, "minute": 4, "second": 57}
